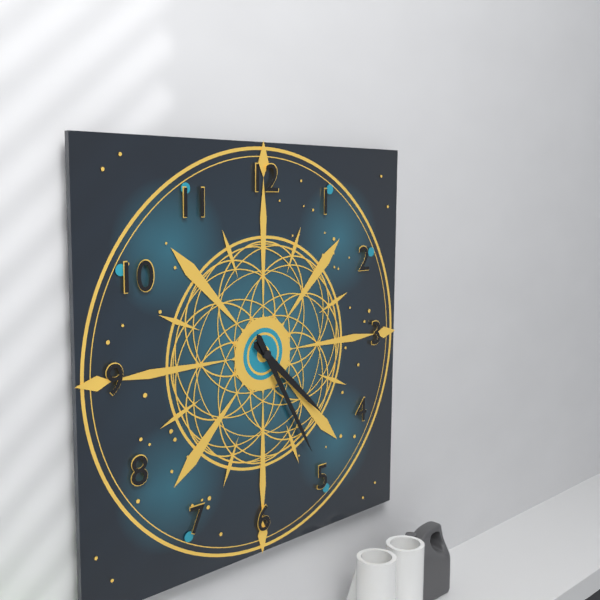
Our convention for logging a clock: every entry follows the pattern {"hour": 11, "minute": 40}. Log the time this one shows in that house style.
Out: {"hour": 4, "minute": 25}
